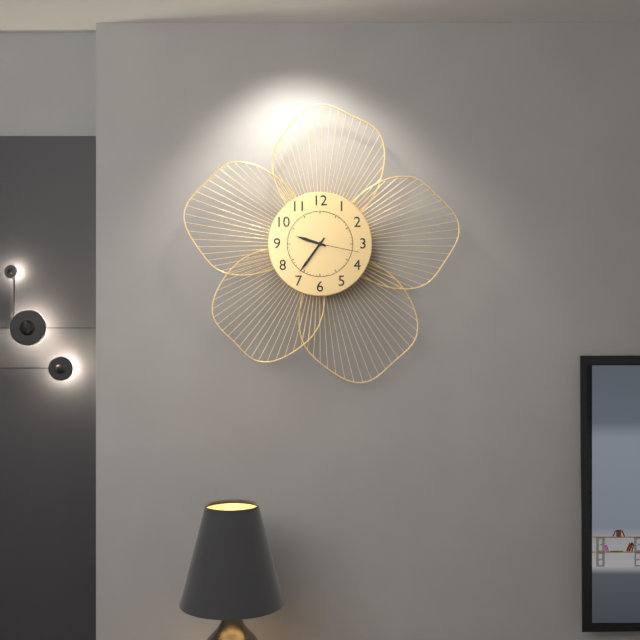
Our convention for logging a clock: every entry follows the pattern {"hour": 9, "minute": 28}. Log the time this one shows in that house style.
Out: {"hour": 9, "minute": 36}
